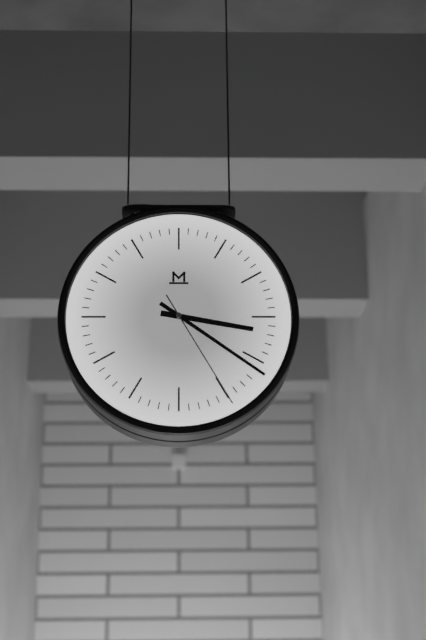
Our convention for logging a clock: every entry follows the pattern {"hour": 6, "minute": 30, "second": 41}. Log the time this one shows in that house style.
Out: {"hour": 3, "minute": 21, "second": 25}
